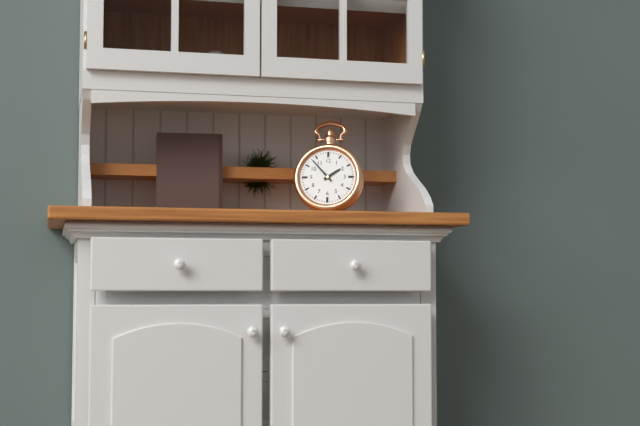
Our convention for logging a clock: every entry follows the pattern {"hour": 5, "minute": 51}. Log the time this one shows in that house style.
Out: {"hour": 1, "minute": 53}
